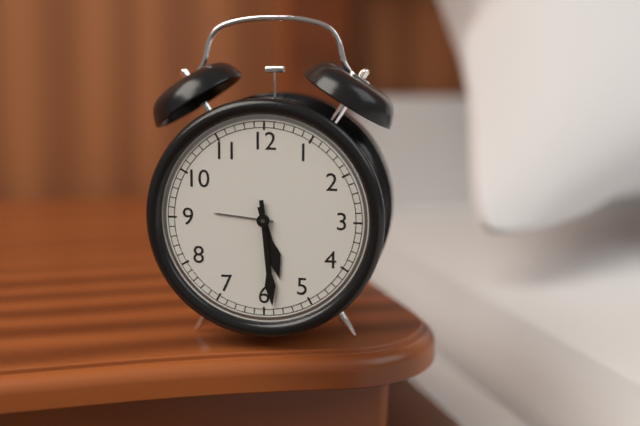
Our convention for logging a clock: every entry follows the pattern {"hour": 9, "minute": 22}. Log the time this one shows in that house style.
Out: {"hour": 5, "minute": 29}
